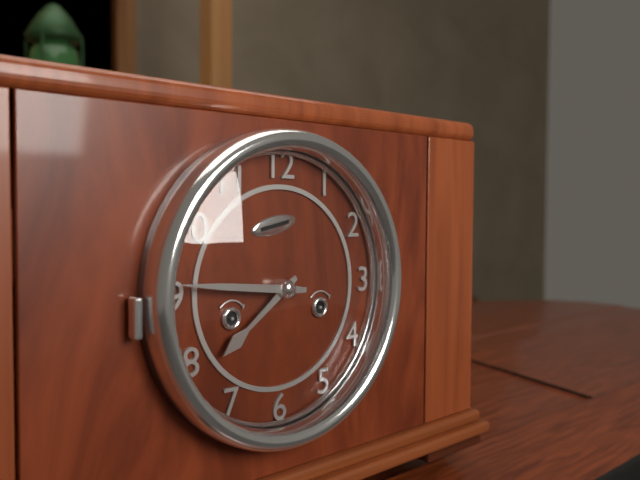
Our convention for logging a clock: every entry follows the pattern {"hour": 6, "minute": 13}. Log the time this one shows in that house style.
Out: {"hour": 7, "minute": 46}
